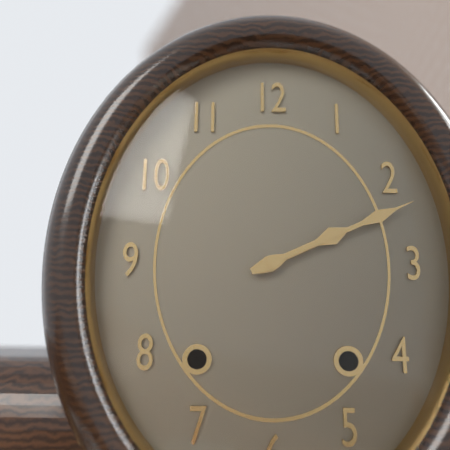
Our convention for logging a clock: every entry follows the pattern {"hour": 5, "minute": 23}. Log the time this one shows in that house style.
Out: {"hour": 2, "minute": 11}
